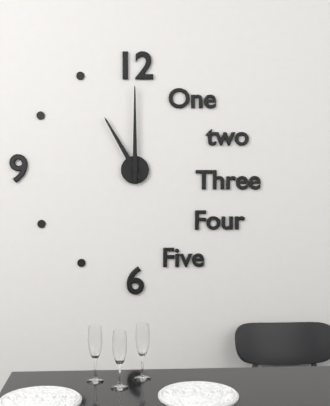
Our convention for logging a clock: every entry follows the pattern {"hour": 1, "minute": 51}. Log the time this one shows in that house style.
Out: {"hour": 11, "minute": 0}
